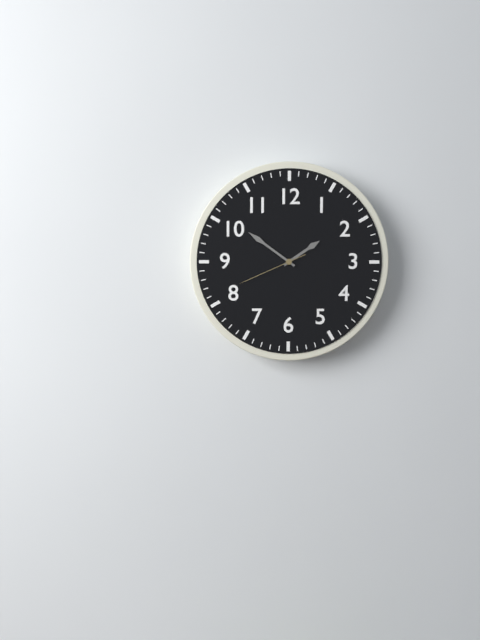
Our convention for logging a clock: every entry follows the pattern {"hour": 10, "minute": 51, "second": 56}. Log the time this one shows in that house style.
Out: {"hour": 1, "minute": 51, "second": 41}
